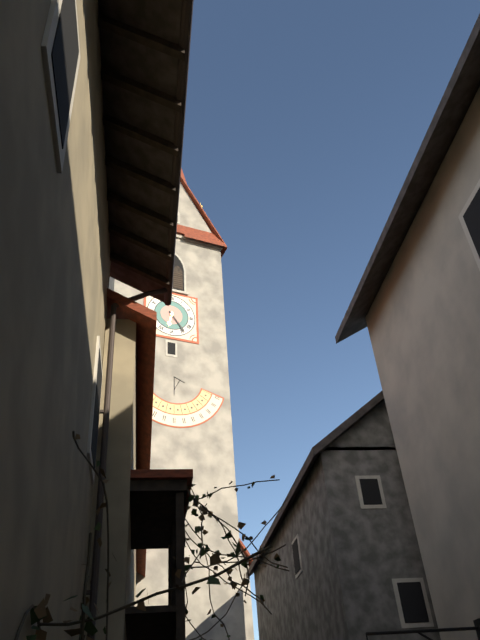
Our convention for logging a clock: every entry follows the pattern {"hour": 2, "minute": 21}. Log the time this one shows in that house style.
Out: {"hour": 6, "minute": 24}
